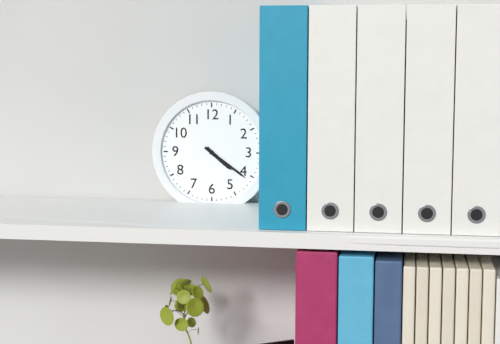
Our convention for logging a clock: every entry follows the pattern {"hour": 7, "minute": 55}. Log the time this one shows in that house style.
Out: {"hour": 4, "minute": 21}
